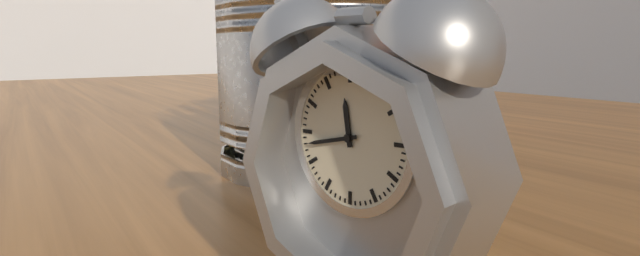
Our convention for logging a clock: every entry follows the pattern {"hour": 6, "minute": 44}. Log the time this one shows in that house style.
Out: {"hour": 11, "minute": 43}
